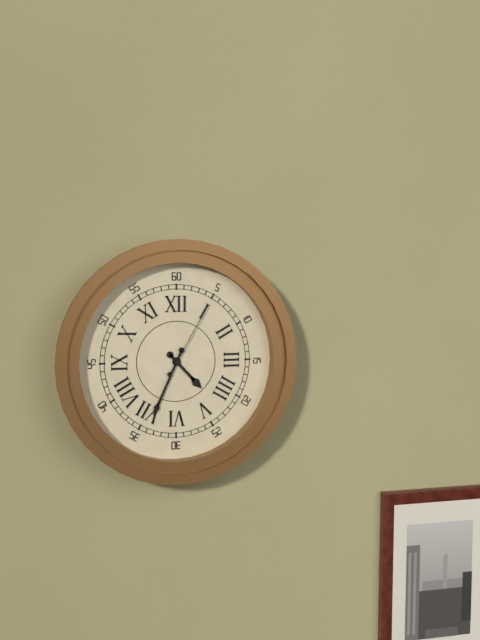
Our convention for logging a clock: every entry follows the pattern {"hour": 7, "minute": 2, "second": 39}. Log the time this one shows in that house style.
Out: {"hour": 4, "minute": 34, "second": 5}
